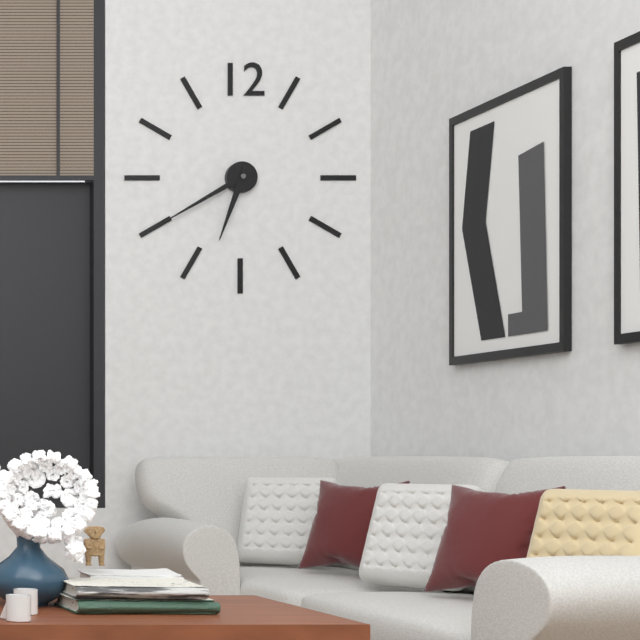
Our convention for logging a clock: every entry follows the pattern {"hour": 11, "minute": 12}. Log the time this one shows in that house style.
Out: {"hour": 6, "minute": 40}
